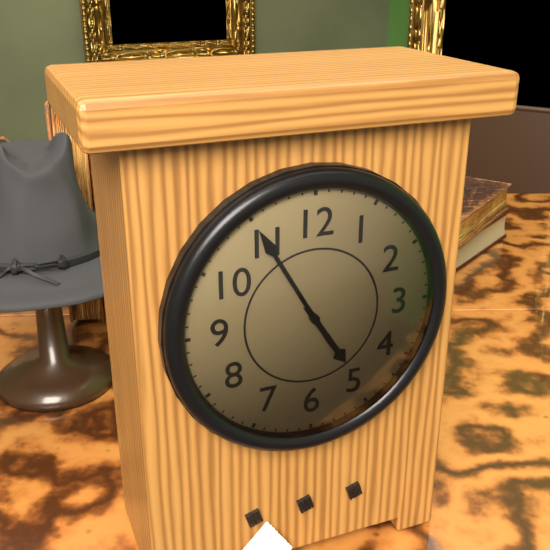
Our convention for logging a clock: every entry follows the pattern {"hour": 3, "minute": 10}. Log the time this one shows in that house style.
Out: {"hour": 4, "minute": 55}
